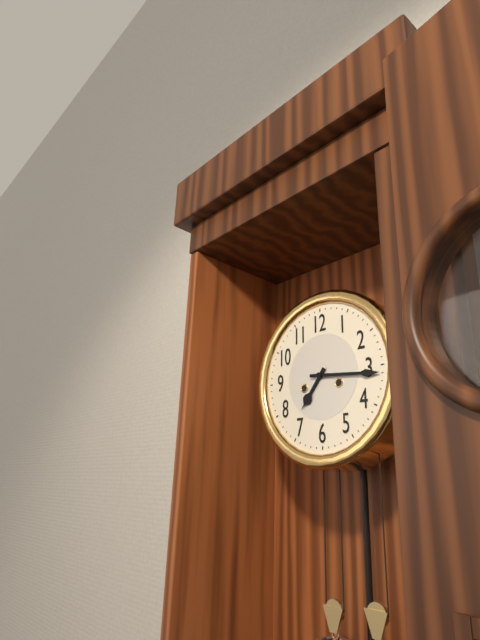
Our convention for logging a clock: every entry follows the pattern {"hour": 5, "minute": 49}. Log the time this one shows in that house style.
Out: {"hour": 7, "minute": 16}
